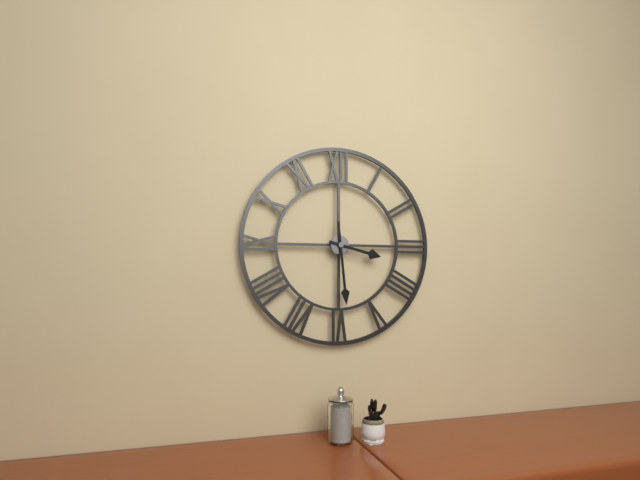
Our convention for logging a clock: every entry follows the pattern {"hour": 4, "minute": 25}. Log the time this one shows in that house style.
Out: {"hour": 3, "minute": 29}
